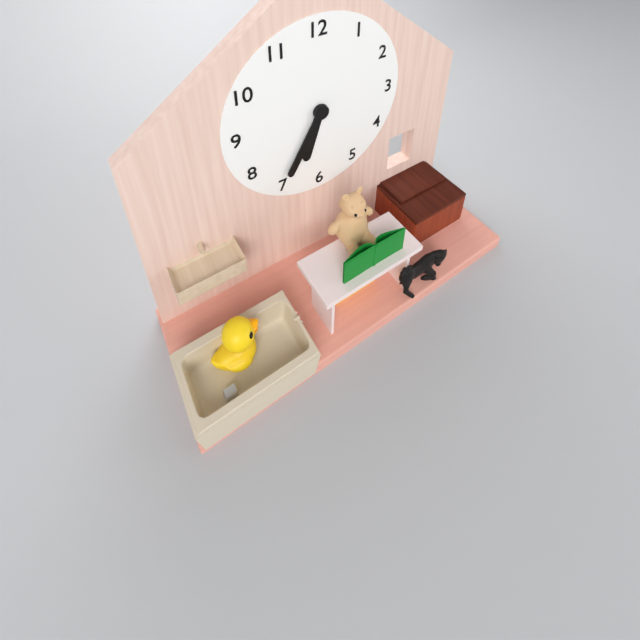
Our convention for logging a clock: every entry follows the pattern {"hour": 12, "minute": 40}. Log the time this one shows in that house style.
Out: {"hour": 6, "minute": 35}
